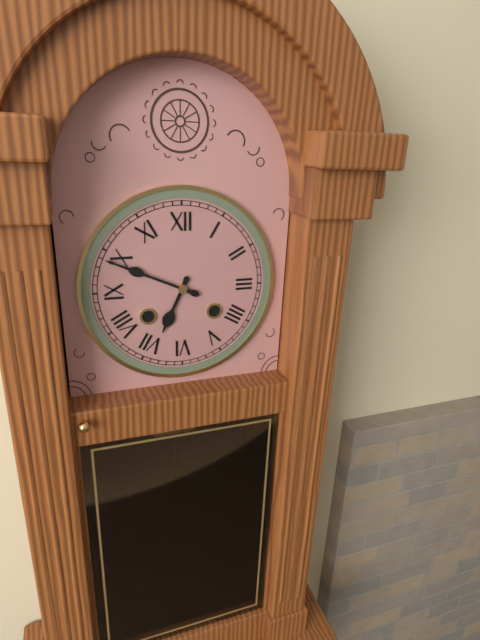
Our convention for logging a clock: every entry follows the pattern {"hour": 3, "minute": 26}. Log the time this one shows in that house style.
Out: {"hour": 6, "minute": 49}
